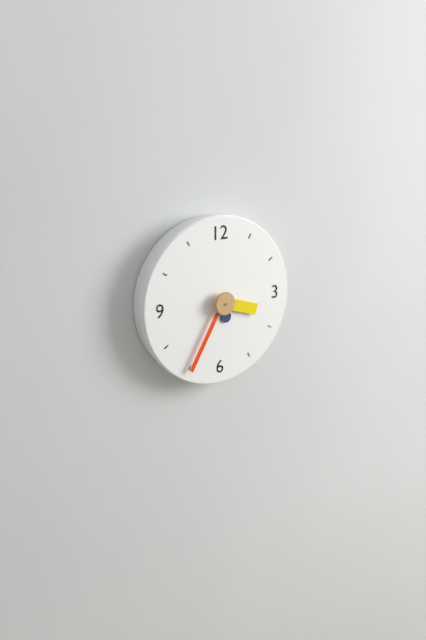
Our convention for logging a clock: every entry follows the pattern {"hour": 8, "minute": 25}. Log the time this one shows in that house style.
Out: {"hour": 3, "minute": 35}
